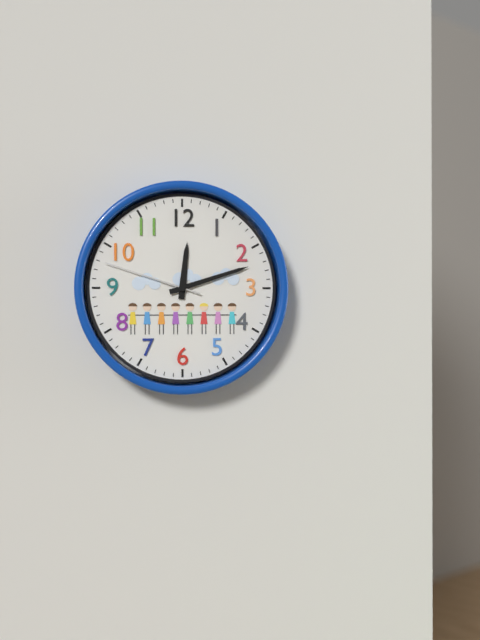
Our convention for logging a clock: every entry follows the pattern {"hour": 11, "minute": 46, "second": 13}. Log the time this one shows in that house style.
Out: {"hour": 12, "minute": 12, "second": 48}
